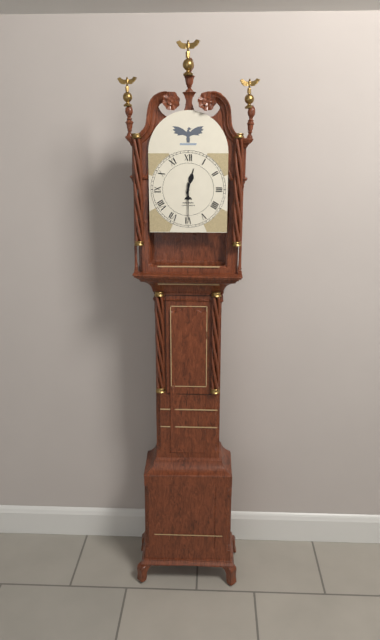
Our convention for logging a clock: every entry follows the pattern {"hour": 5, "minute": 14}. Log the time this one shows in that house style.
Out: {"hour": 12, "minute": 30}
